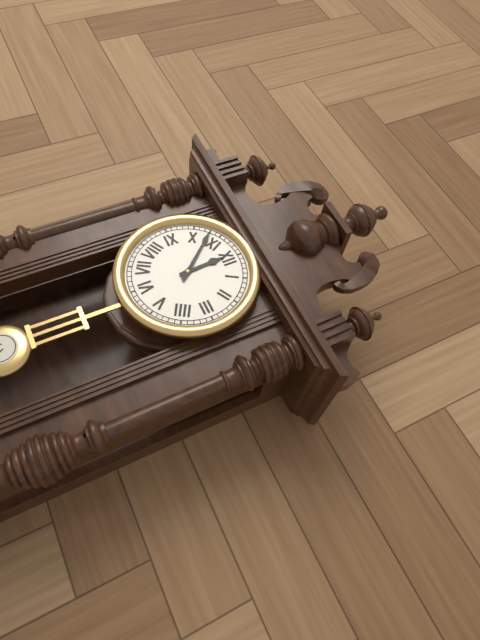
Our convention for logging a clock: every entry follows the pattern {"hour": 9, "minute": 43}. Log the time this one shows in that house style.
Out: {"hour": 11, "minute": 53}
